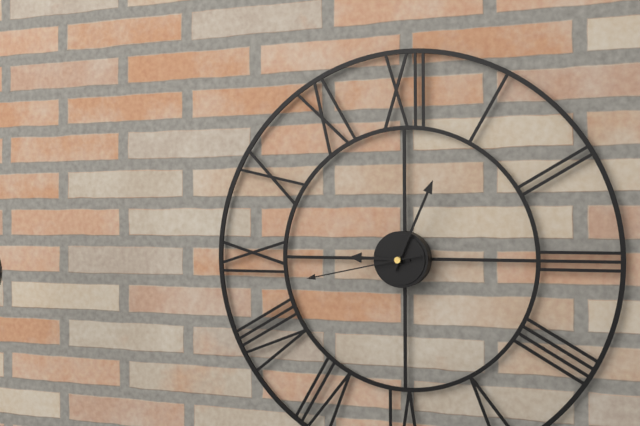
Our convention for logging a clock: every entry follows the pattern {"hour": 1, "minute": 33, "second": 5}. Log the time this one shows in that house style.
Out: {"hour": 9, "minute": 4, "second": 43}
